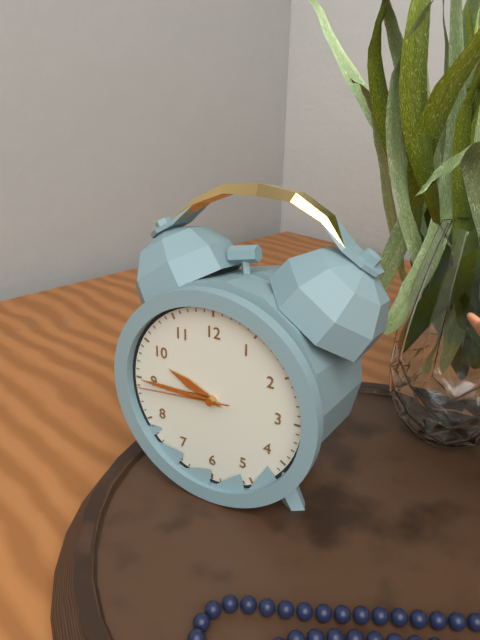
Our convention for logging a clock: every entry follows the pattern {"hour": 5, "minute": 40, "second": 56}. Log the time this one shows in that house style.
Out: {"hour": 9, "minute": 45, "second": 44}
